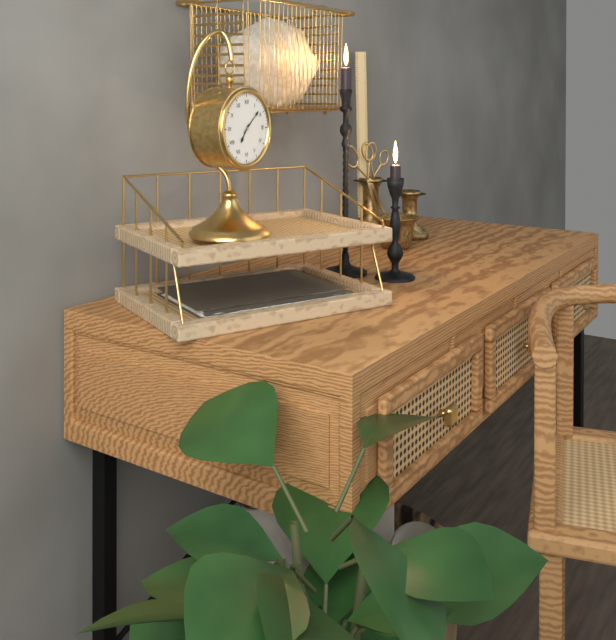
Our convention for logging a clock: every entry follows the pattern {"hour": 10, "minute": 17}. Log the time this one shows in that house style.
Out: {"hour": 7, "minute": 8}
